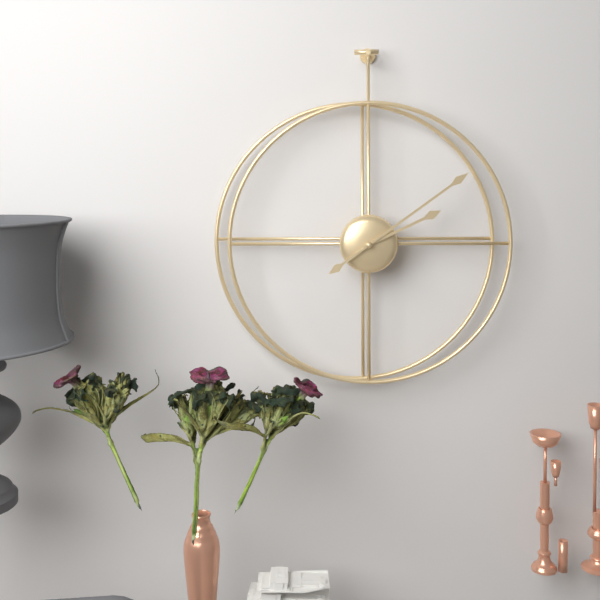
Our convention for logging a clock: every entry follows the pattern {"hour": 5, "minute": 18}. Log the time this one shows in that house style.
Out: {"hour": 2, "minute": 9}
